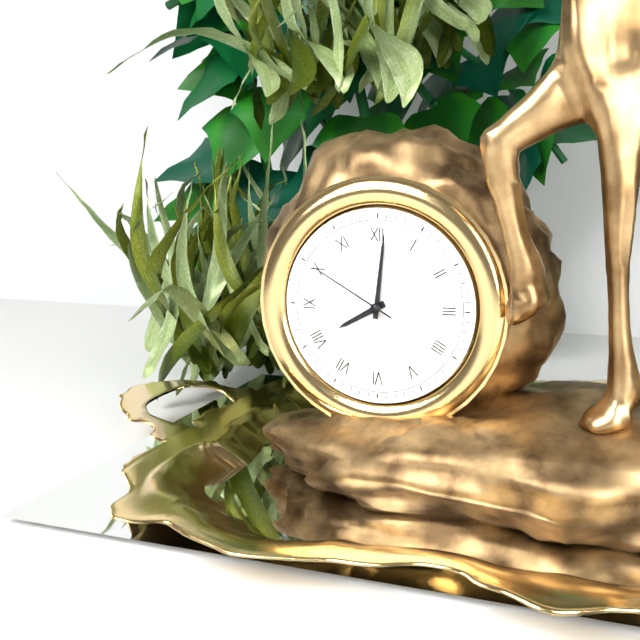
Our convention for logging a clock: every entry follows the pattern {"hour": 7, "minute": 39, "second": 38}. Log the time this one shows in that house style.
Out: {"hour": 8, "minute": 1, "second": 50}
